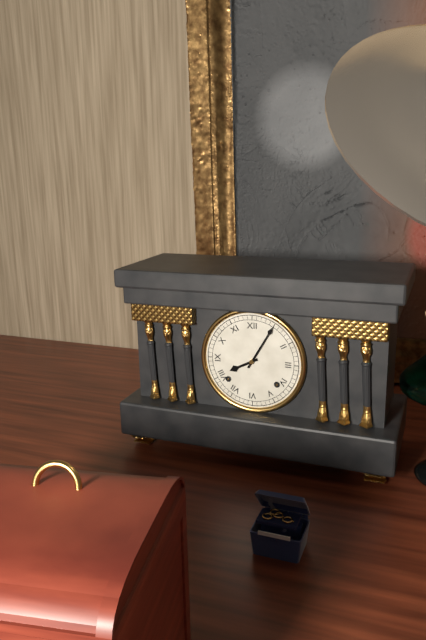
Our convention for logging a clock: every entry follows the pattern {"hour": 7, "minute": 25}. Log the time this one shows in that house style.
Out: {"hour": 8, "minute": 5}
